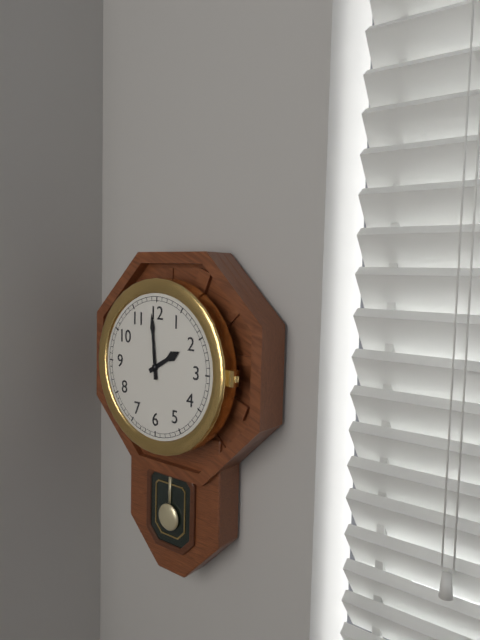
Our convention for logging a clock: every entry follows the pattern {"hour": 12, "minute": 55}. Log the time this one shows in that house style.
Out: {"hour": 1, "minute": 59}
